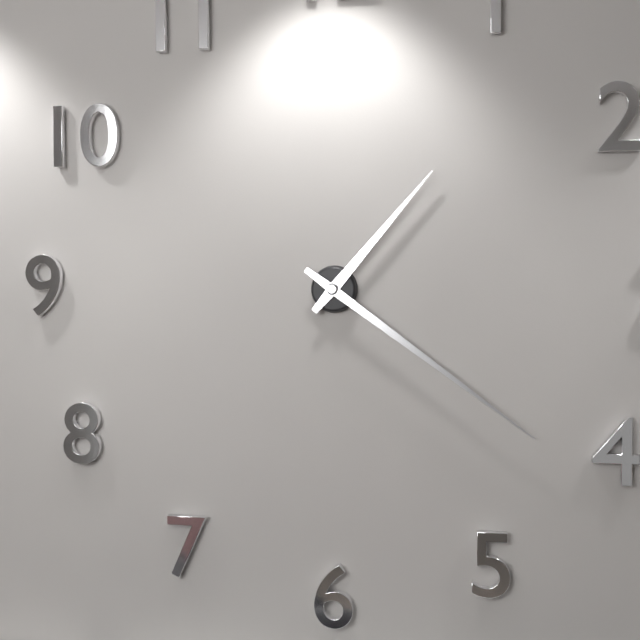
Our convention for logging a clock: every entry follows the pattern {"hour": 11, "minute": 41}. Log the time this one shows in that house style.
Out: {"hour": 1, "minute": 21}
